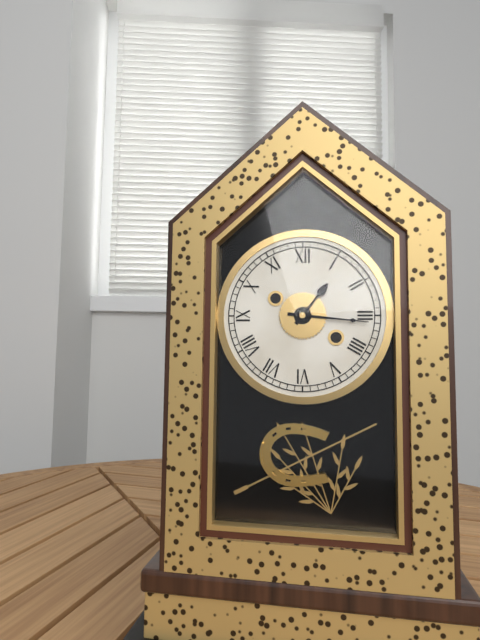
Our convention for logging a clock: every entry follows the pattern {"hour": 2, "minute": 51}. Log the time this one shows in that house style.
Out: {"hour": 1, "minute": 16}
